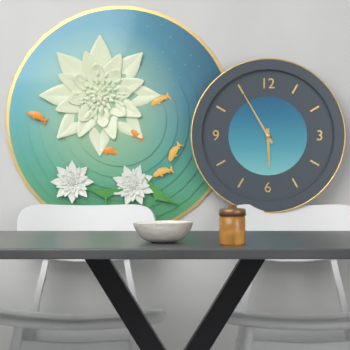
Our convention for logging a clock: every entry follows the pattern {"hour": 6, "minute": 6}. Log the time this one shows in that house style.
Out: {"hour": 5, "minute": 55}
